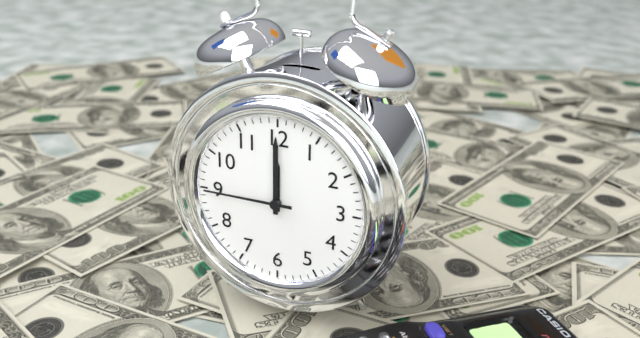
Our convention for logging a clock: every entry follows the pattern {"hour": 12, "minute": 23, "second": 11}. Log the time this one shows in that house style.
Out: {"hour": 12, "minute": 0, "second": 45}
